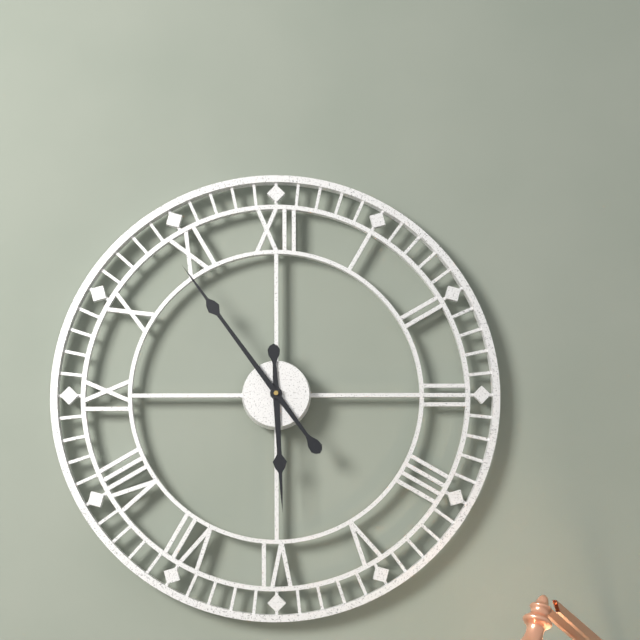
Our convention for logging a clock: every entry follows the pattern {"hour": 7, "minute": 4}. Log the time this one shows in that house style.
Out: {"hour": 5, "minute": 54}
